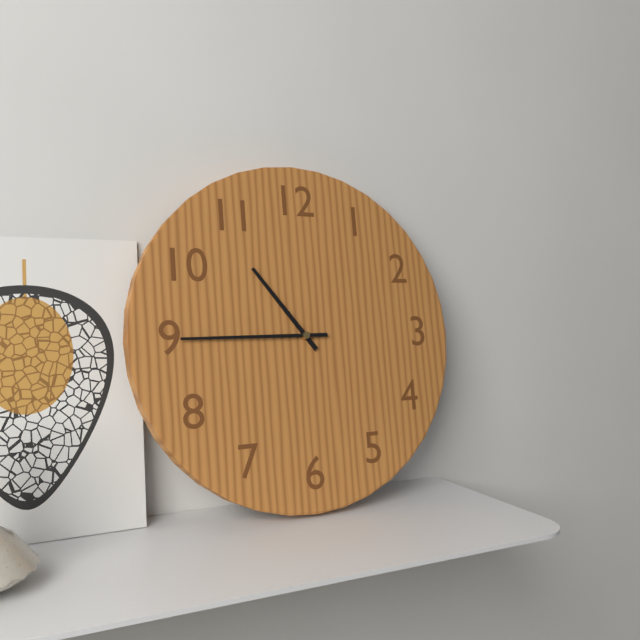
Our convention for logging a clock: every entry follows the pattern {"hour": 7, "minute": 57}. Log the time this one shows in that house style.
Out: {"hour": 10, "minute": 45}
